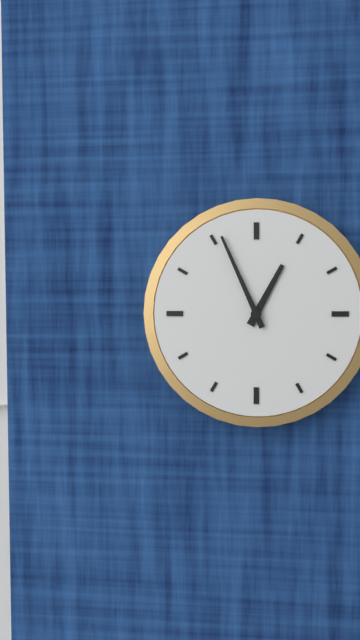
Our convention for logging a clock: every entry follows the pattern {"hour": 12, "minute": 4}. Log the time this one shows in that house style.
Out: {"hour": 12, "minute": 56}
